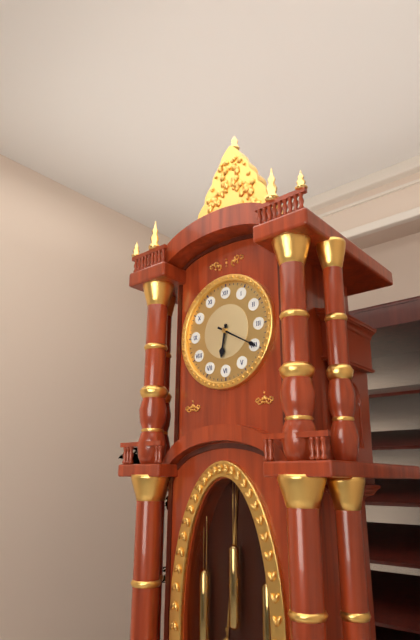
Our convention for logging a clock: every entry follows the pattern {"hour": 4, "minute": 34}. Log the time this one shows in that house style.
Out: {"hour": 6, "minute": 20}
